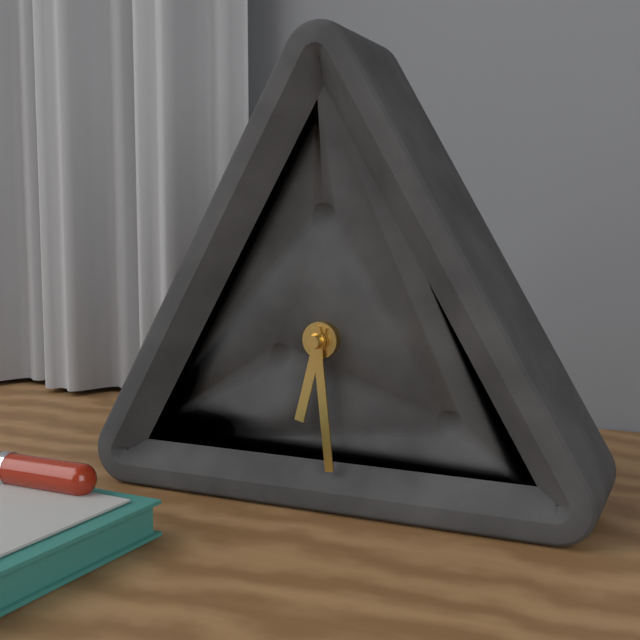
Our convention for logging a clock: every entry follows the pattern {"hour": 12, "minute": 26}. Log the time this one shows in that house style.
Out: {"hour": 6, "minute": 29}
